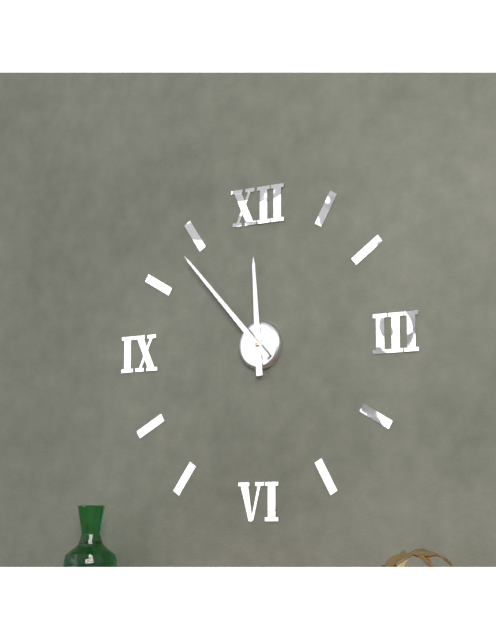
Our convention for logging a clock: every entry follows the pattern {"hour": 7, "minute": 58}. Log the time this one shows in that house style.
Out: {"hour": 11, "minute": 53}
